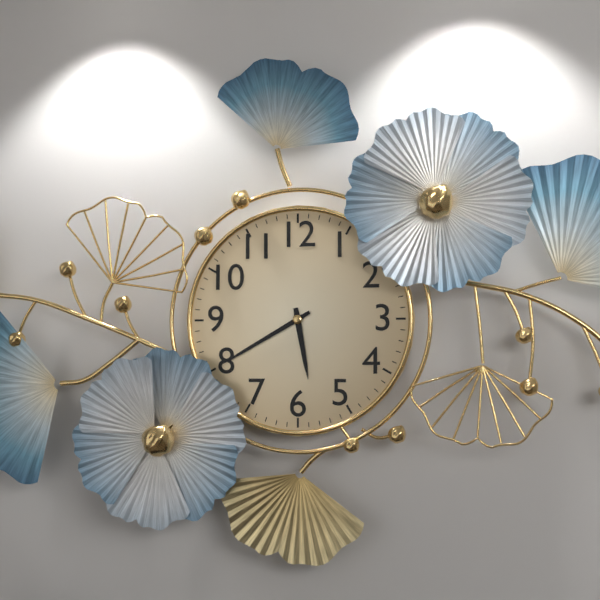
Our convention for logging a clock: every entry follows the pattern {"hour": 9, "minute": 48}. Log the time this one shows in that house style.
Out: {"hour": 5, "minute": 40}
